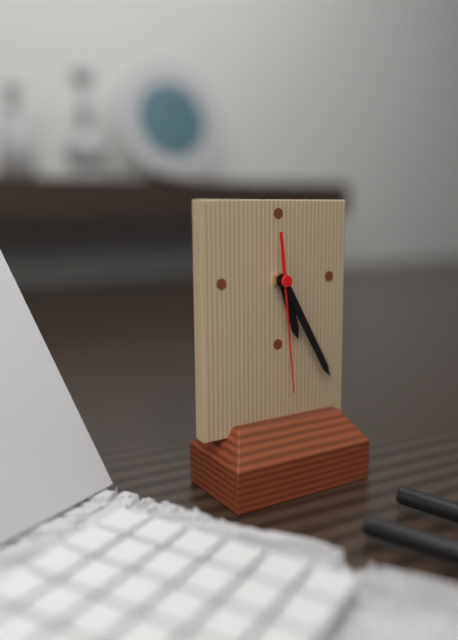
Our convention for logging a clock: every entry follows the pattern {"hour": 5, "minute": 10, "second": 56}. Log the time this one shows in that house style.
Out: {"hour": 5, "minute": 25, "second": 29}
